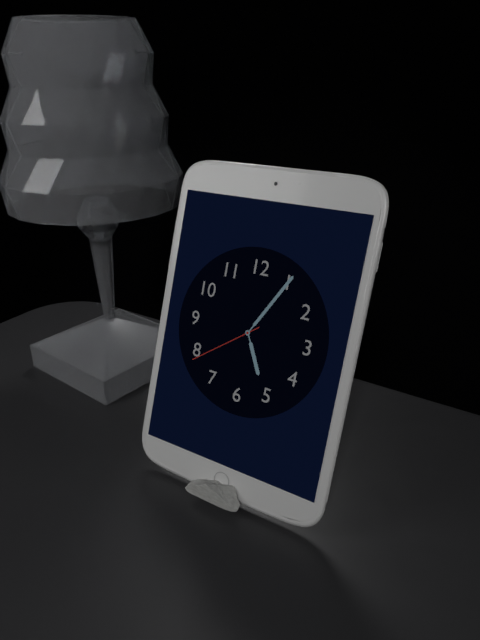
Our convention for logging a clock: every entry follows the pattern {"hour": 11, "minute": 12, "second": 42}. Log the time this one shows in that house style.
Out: {"hour": 5, "minute": 5, "second": 39}
